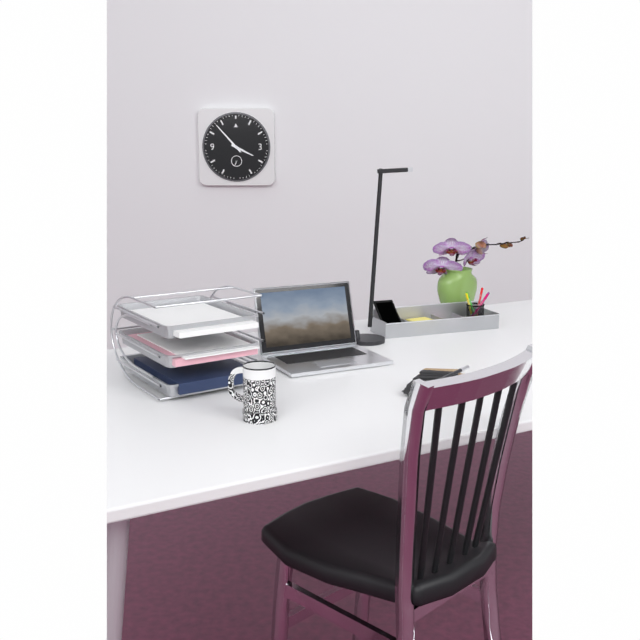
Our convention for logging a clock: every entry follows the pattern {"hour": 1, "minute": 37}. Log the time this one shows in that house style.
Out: {"hour": 3, "minute": 53}
